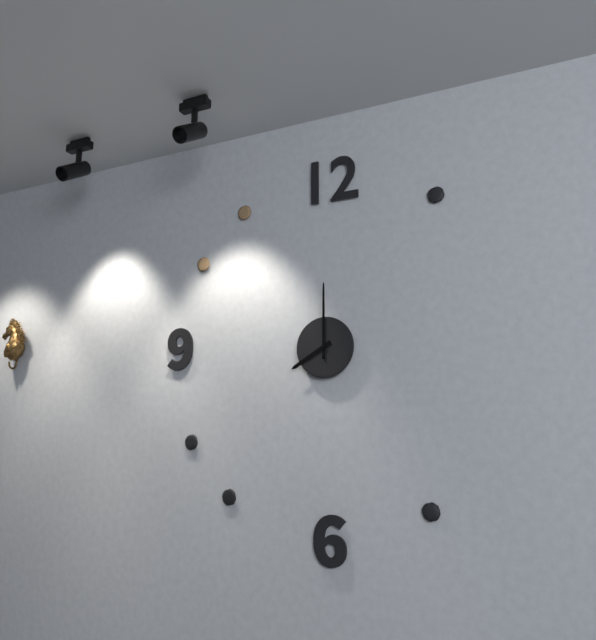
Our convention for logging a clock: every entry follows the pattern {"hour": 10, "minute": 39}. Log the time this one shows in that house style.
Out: {"hour": 8, "minute": 0}
